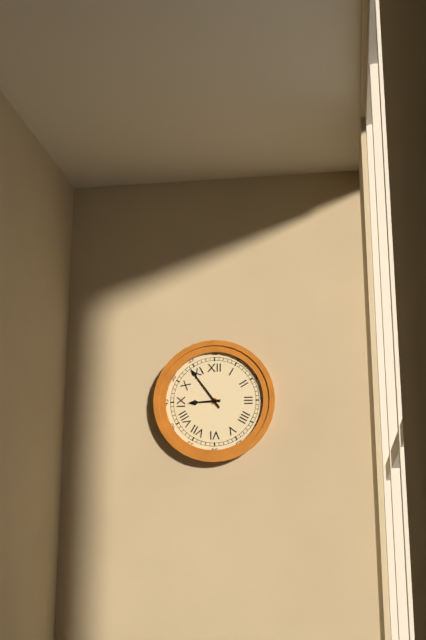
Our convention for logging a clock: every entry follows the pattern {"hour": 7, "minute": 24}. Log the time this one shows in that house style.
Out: {"hour": 8, "minute": 54}
